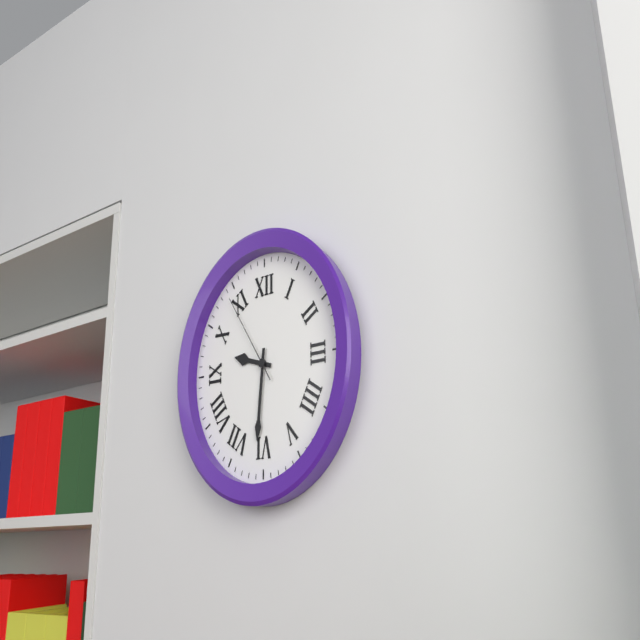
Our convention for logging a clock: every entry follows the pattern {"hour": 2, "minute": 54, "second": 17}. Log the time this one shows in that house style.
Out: {"hour": 9, "minute": 31, "second": 54}
